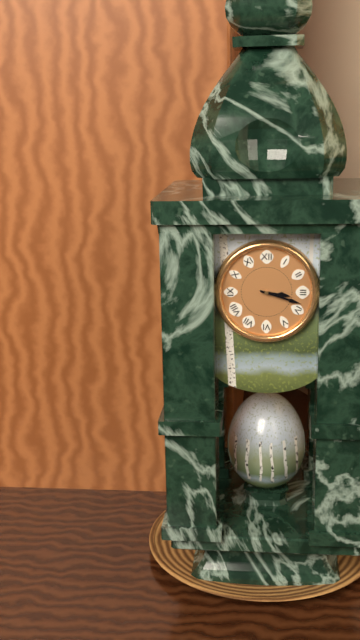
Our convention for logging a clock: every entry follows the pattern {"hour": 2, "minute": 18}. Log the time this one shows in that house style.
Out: {"hour": 3, "minute": 18}
